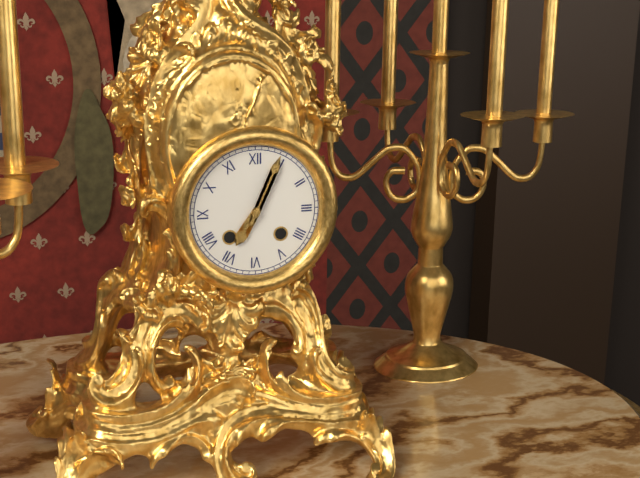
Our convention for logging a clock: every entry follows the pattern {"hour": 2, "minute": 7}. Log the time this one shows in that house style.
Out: {"hour": 7, "minute": 4}
